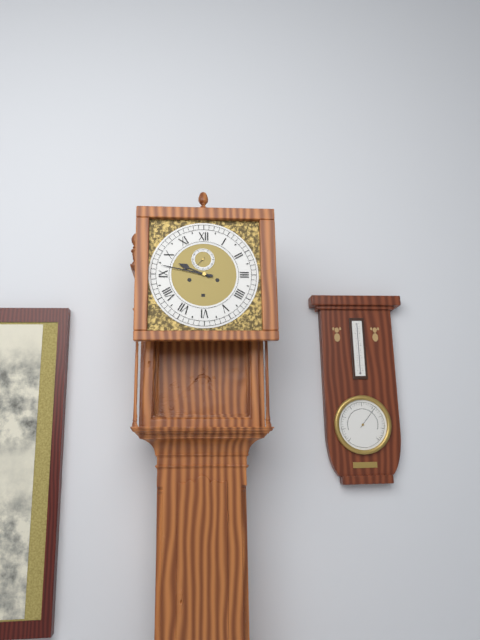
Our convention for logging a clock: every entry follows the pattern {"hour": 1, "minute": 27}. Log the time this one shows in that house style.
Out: {"hour": 9, "minute": 47}
